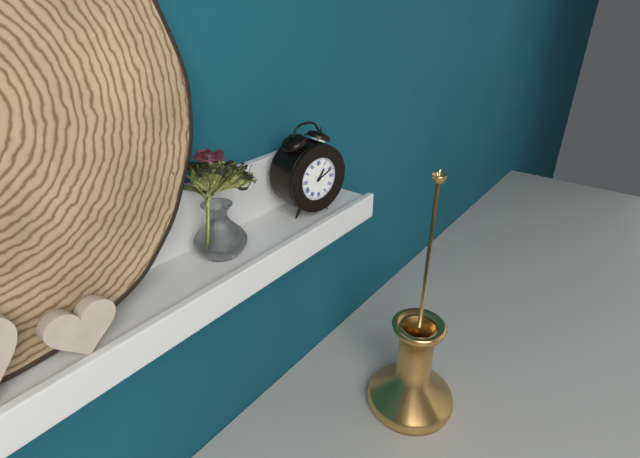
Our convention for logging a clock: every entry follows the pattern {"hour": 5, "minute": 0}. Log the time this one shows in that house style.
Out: {"hour": 1, "minute": 11}
